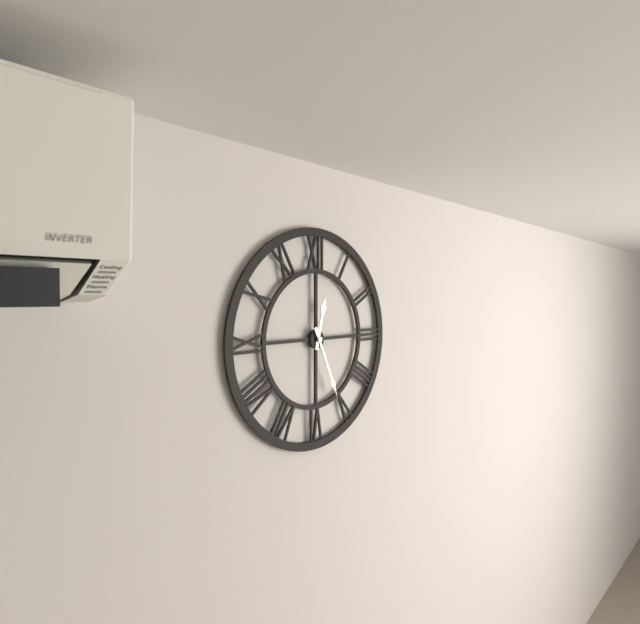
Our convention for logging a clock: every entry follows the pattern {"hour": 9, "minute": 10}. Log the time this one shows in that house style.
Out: {"hour": 12, "minute": 26}
